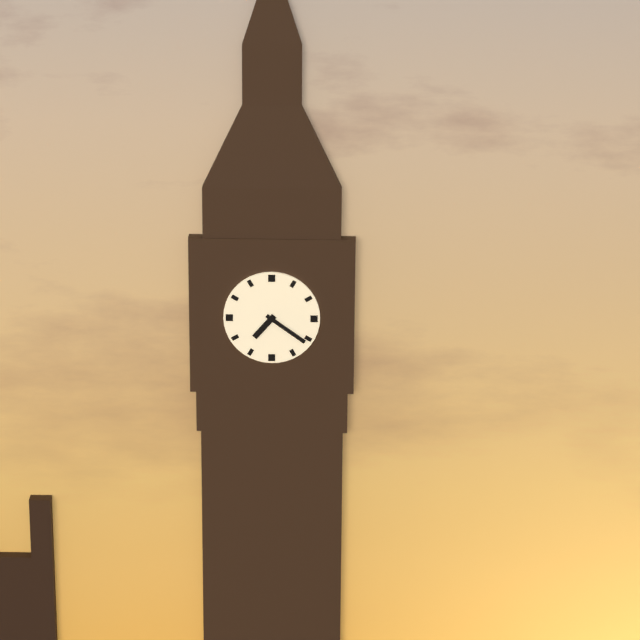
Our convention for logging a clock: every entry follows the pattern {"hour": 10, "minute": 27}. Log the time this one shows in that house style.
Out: {"hour": 7, "minute": 21}
